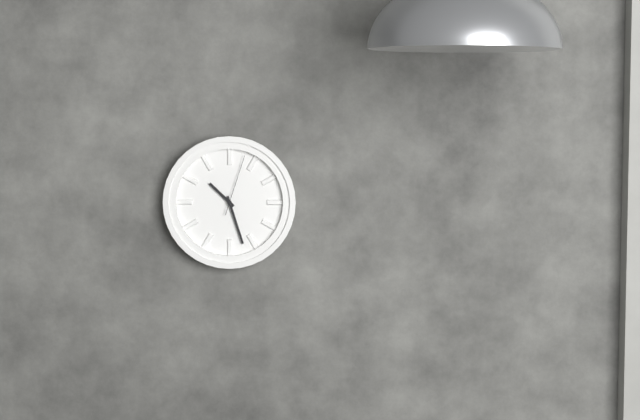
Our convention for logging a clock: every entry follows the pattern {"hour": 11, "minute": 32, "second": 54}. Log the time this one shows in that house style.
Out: {"hour": 10, "minute": 27, "second": 3}
